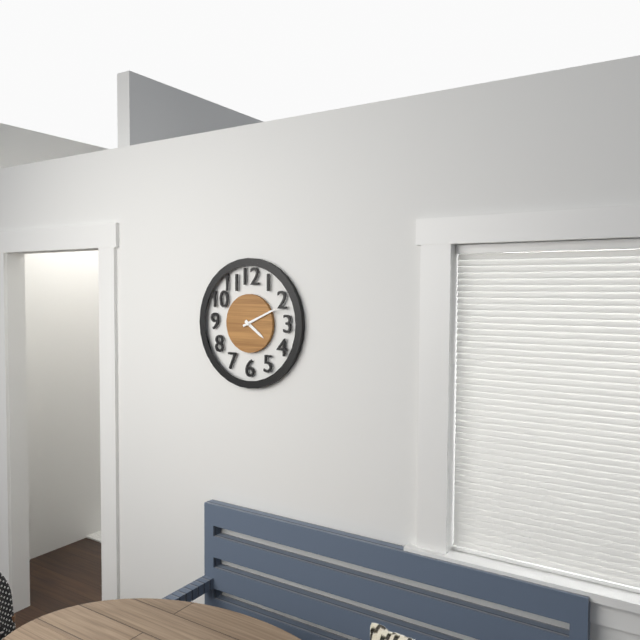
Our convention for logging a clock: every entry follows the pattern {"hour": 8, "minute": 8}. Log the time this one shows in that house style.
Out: {"hour": 4, "minute": 11}
